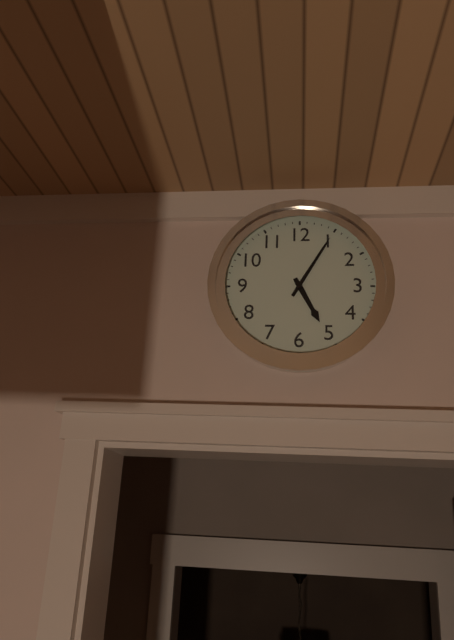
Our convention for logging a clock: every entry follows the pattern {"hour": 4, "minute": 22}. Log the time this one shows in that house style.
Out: {"hour": 5, "minute": 5}
